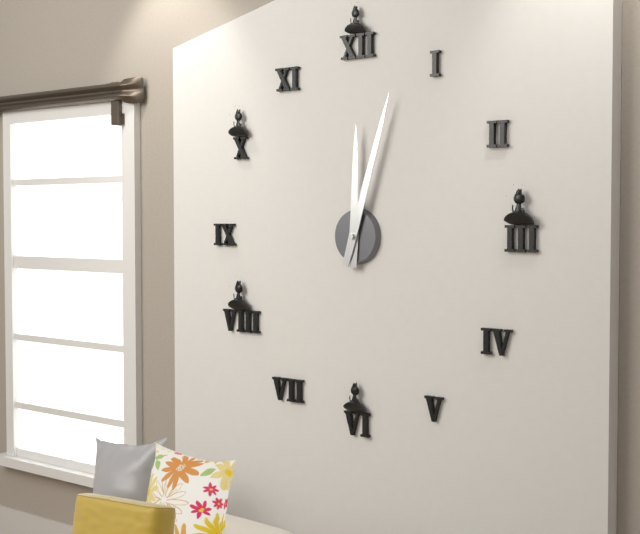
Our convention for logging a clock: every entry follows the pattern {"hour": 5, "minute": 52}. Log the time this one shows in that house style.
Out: {"hour": 12, "minute": 3}
